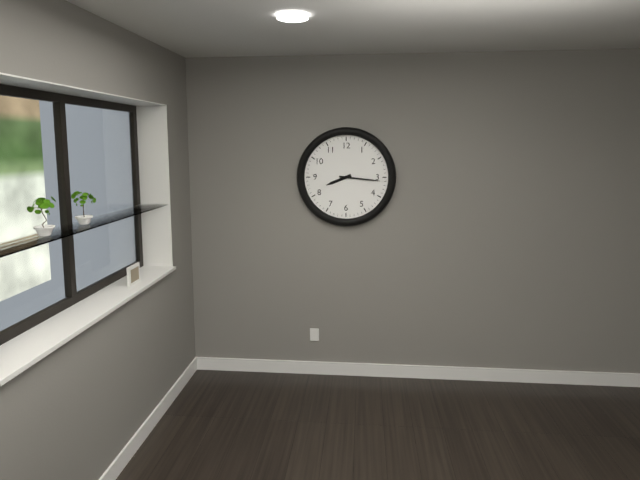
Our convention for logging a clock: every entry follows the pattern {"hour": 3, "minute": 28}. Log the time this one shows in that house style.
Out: {"hour": 8, "minute": 16}
